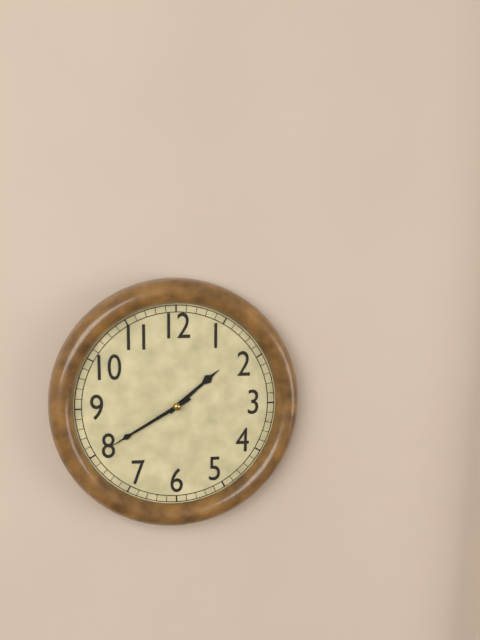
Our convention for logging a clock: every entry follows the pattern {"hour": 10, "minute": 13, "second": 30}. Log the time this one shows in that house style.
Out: {"hour": 1, "minute": 40, "second": 40}
